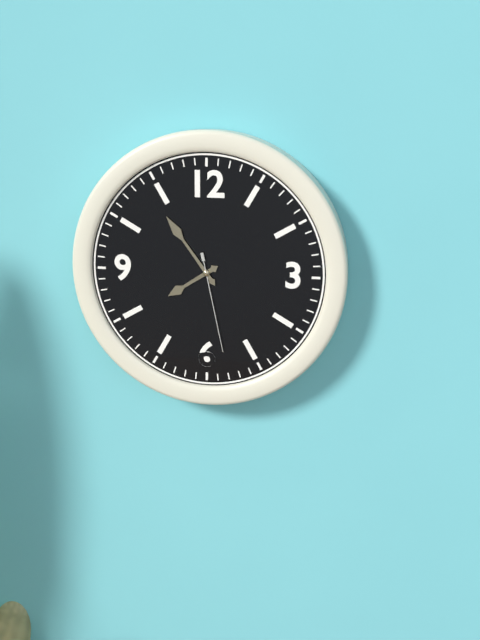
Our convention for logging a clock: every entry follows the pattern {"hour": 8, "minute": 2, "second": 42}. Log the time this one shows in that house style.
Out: {"hour": 7, "minute": 54, "second": 28}
